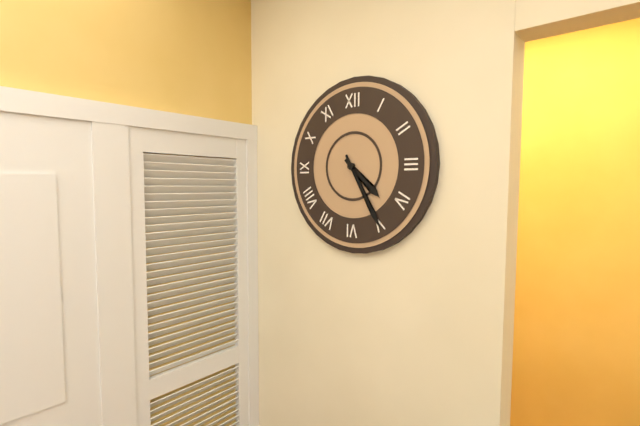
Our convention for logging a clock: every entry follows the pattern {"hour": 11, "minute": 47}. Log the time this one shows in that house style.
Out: {"hour": 4, "minute": 25}
